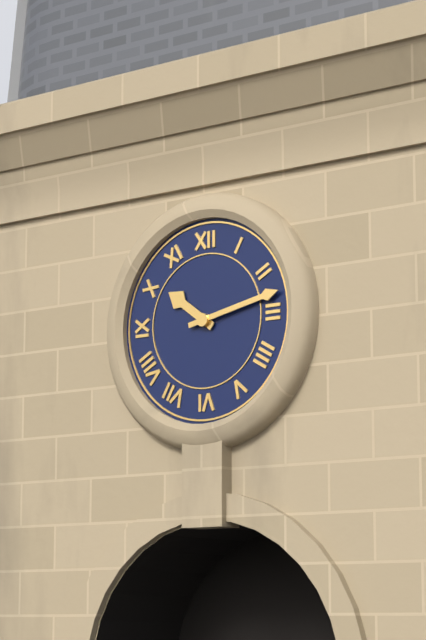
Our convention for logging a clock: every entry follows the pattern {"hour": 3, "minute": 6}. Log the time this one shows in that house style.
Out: {"hour": 10, "minute": 13}
